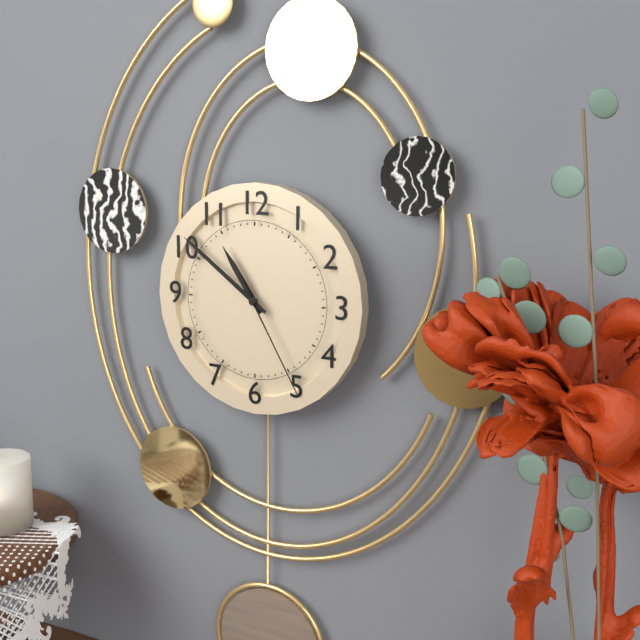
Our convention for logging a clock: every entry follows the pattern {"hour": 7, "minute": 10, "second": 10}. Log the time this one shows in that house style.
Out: {"hour": 10, "minute": 51, "second": 25}
